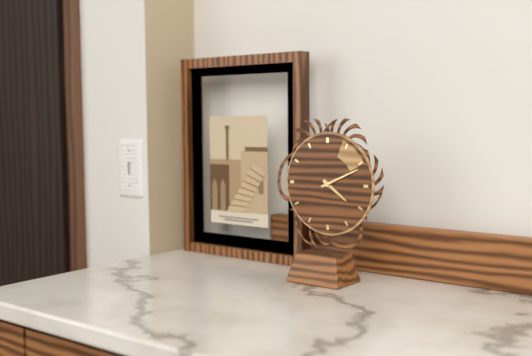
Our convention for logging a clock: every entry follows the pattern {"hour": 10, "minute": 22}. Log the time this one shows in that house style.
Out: {"hour": 4, "minute": 11}
